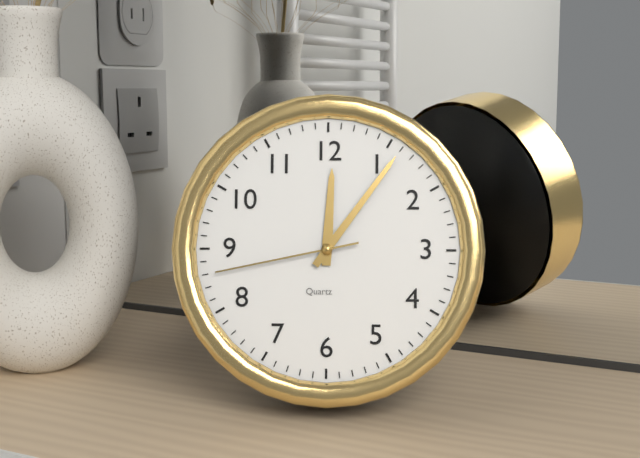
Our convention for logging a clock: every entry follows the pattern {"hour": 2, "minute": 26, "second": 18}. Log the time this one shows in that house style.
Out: {"hour": 12, "minute": 6, "second": 43}
